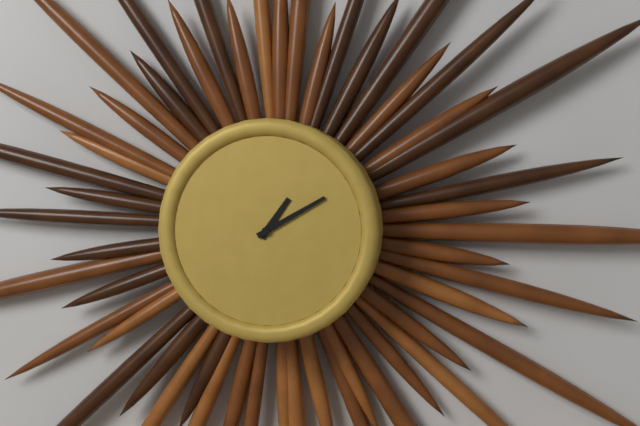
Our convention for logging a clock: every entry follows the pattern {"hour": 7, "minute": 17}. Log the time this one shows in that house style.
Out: {"hour": 1, "minute": 10}
